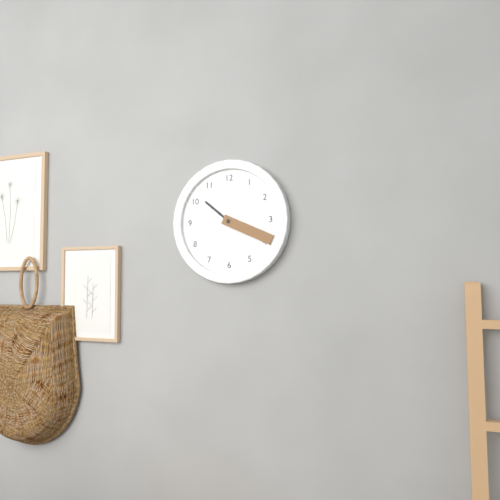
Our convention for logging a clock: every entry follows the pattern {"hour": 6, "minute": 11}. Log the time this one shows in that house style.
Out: {"hour": 10, "minute": 19}
